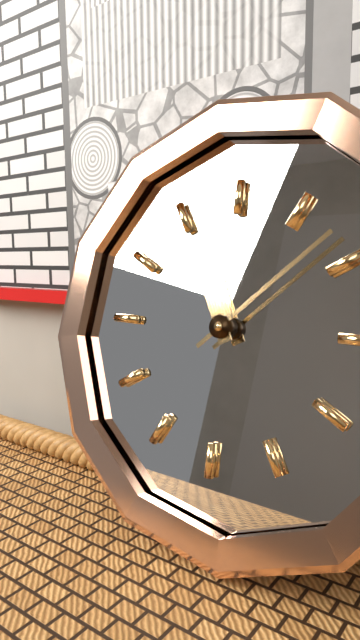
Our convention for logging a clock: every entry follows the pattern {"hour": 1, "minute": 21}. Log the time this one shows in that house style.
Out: {"hour": 11, "minute": 8}
